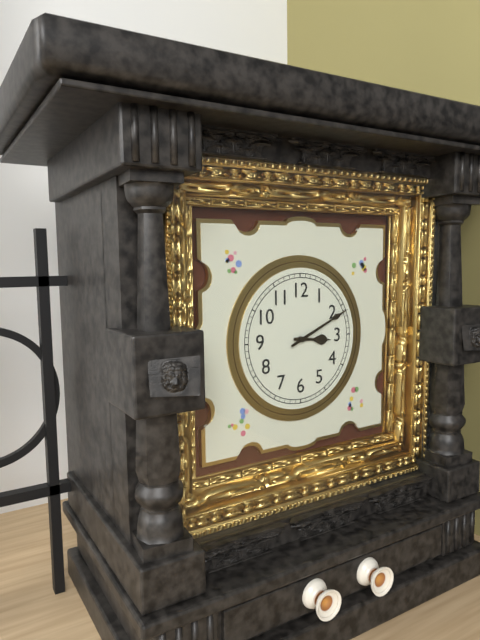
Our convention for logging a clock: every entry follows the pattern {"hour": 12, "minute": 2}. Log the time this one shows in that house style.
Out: {"hour": 3, "minute": 11}
